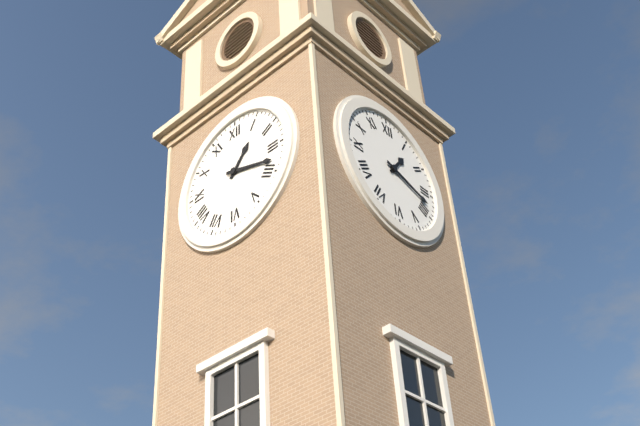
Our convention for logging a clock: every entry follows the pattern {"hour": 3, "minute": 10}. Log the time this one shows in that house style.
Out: {"hour": 1, "minute": 18}
